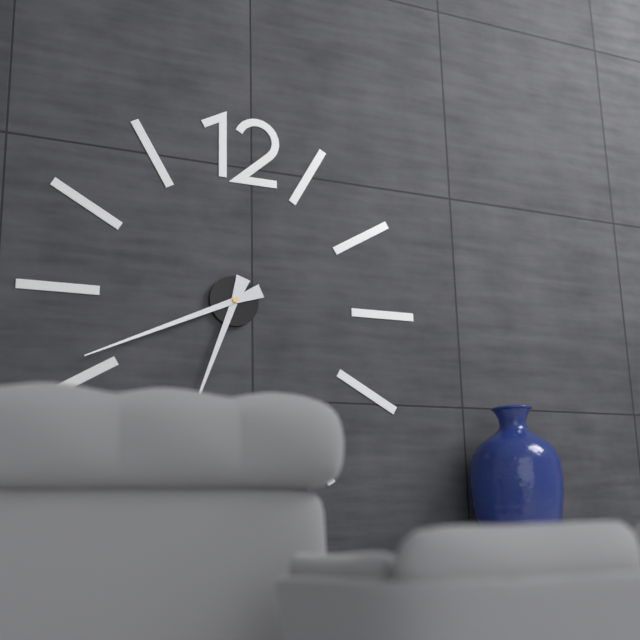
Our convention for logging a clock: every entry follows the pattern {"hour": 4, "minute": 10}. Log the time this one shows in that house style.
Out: {"hour": 6, "minute": 41}
